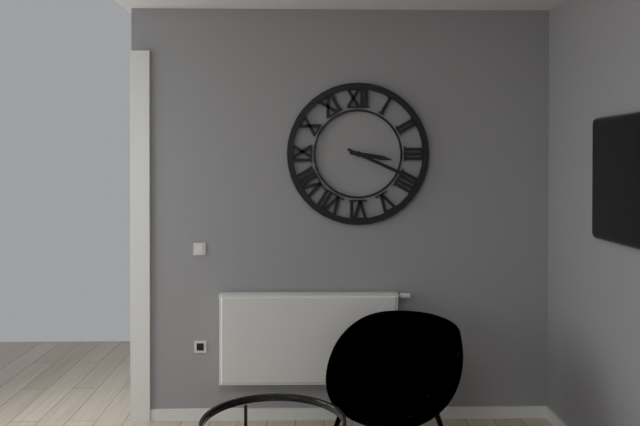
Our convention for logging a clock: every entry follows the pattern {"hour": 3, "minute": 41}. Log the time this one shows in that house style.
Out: {"hour": 3, "minute": 19}
